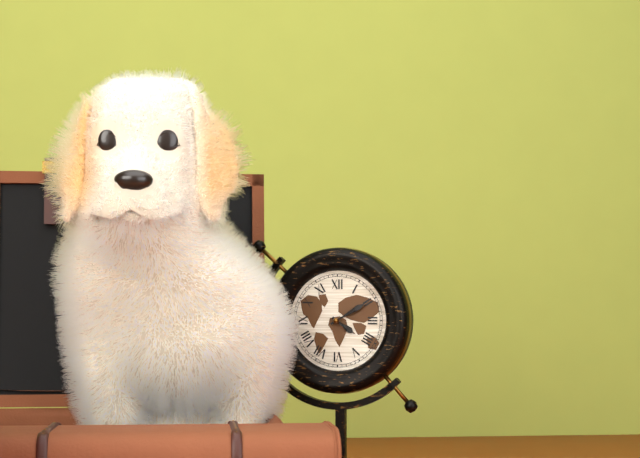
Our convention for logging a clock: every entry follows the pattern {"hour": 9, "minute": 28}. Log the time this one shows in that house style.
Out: {"hour": 4, "minute": 10}
